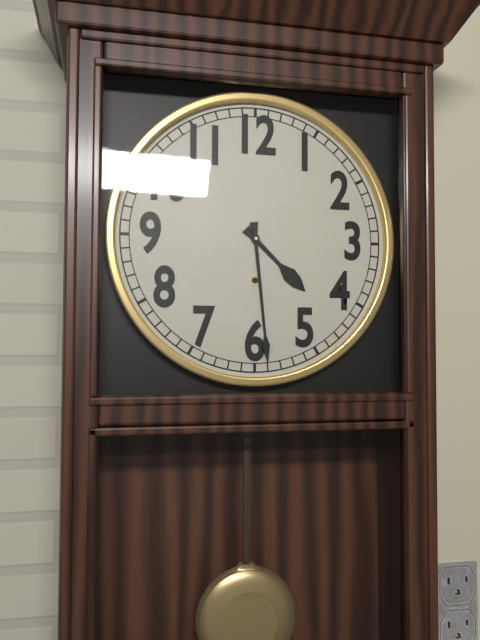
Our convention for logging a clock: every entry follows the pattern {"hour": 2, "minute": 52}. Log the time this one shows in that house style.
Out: {"hour": 4, "minute": 29}
